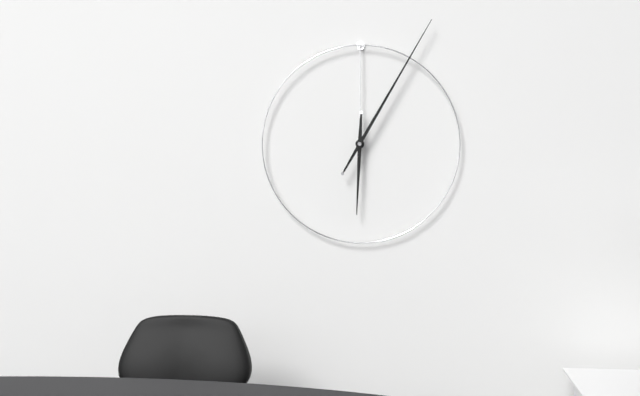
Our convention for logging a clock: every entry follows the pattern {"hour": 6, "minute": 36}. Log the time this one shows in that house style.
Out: {"hour": 6, "minute": 5}
